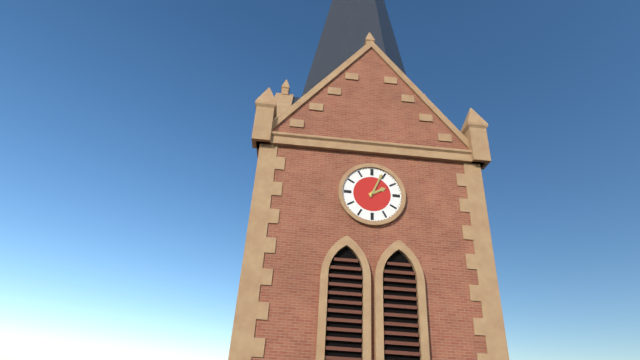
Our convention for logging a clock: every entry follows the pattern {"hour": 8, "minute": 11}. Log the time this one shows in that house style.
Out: {"hour": 2, "minute": 4}
